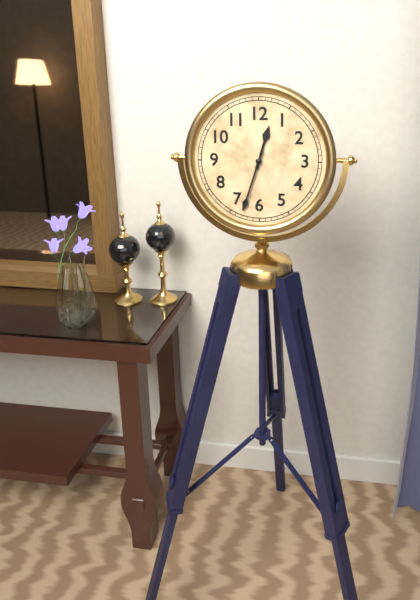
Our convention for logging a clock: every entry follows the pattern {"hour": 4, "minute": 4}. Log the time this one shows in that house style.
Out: {"hour": 12, "minute": 33}
